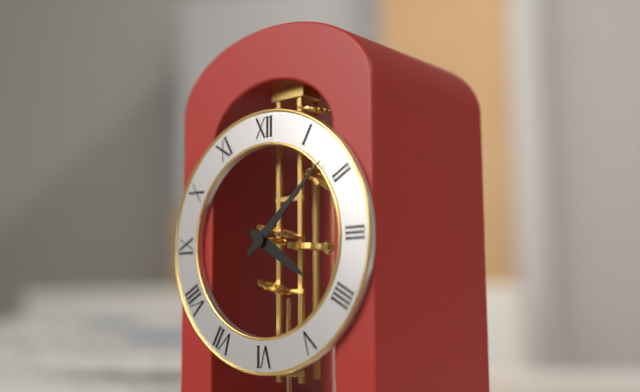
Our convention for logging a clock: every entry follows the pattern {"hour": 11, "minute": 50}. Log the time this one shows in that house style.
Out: {"hour": 4, "minute": 8}
